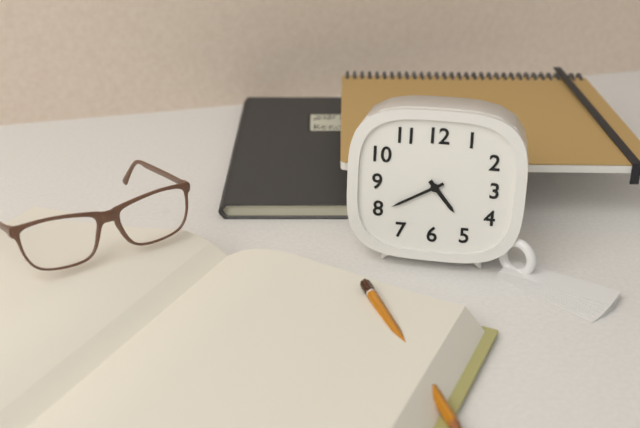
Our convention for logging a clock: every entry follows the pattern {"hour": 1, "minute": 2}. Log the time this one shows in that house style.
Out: {"hour": 4, "minute": 40}
